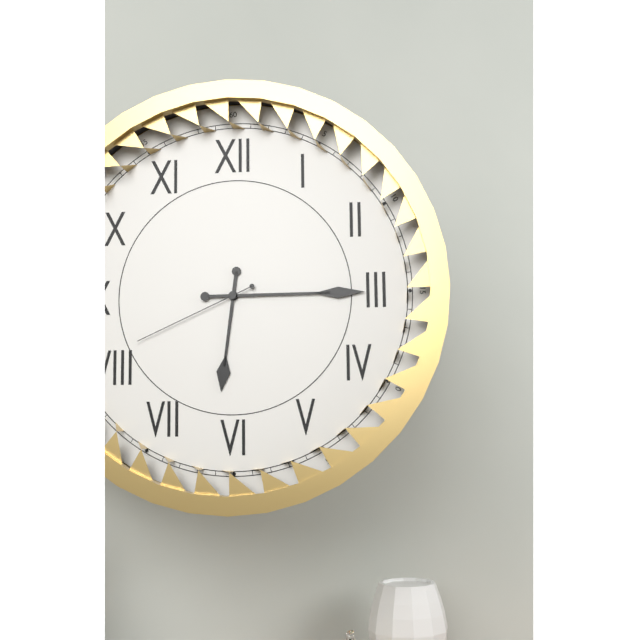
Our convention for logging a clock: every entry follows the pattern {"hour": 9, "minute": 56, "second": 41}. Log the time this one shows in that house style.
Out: {"hour": 6, "minute": 15, "second": 41}
